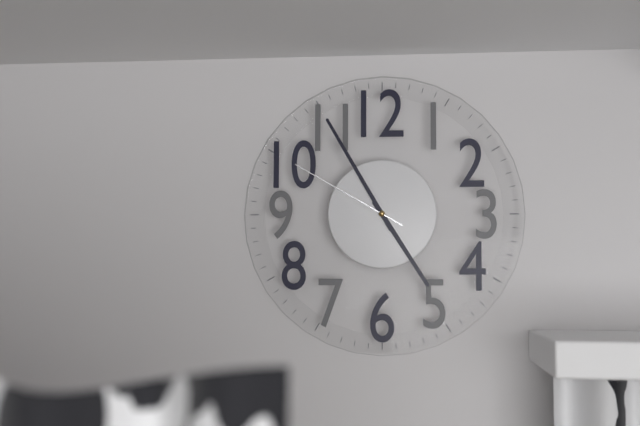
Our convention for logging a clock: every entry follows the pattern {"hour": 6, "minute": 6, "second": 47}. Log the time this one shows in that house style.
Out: {"hour": 4, "minute": 55, "second": 50}
